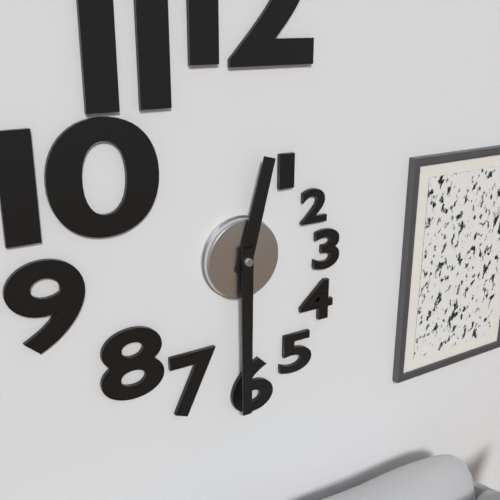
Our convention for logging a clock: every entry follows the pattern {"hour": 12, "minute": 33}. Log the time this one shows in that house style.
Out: {"hour": 12, "minute": 30}
